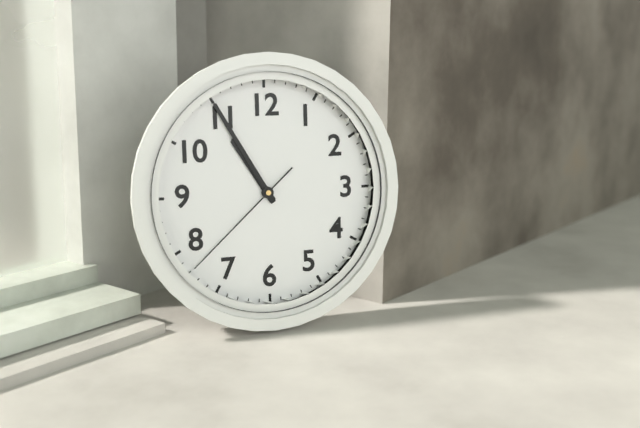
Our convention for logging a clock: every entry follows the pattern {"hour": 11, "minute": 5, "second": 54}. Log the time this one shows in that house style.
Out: {"hour": 10, "minute": 55, "second": 38}
